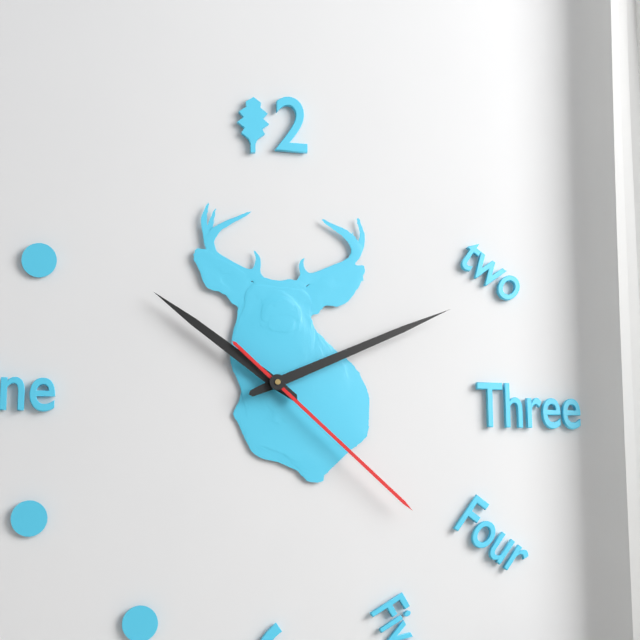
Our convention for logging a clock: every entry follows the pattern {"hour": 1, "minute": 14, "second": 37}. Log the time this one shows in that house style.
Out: {"hour": 10, "minute": 11, "second": 22}
